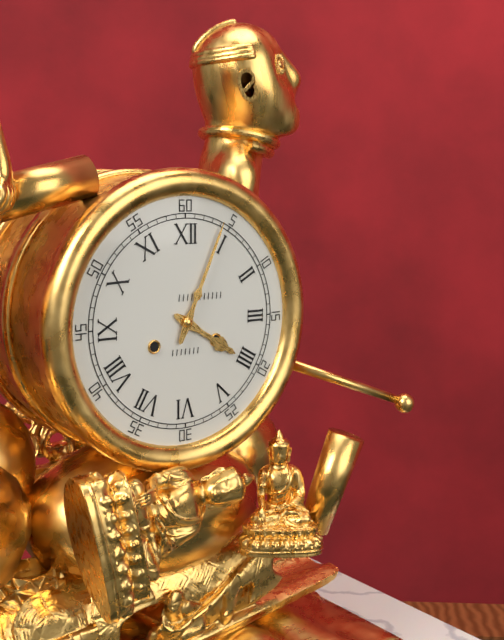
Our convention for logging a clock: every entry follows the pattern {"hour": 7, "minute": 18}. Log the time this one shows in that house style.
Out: {"hour": 4, "minute": 4}
